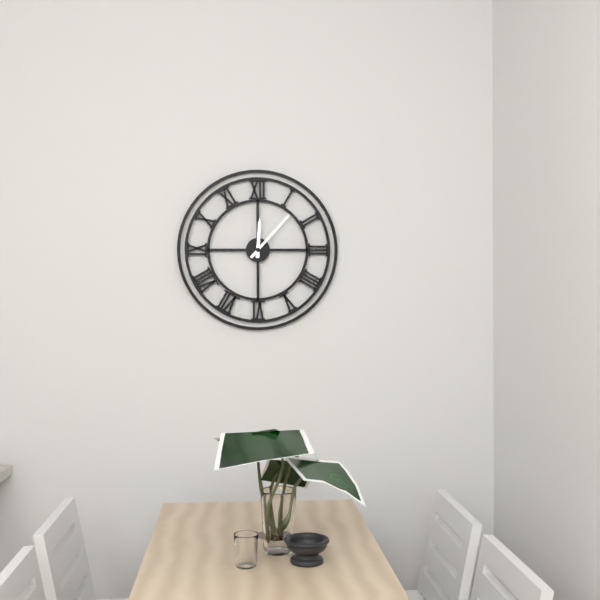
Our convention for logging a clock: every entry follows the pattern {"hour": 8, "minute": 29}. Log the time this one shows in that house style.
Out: {"hour": 12, "minute": 7}
